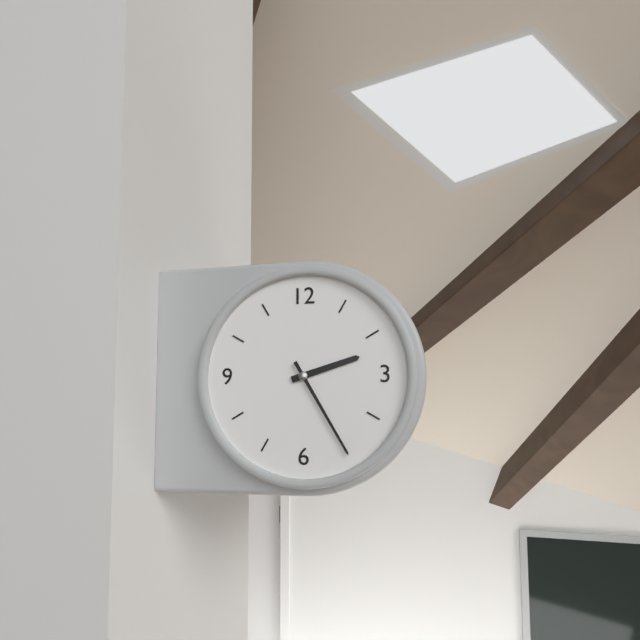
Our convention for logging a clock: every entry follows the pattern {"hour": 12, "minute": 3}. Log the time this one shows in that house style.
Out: {"hour": 2, "minute": 25}
